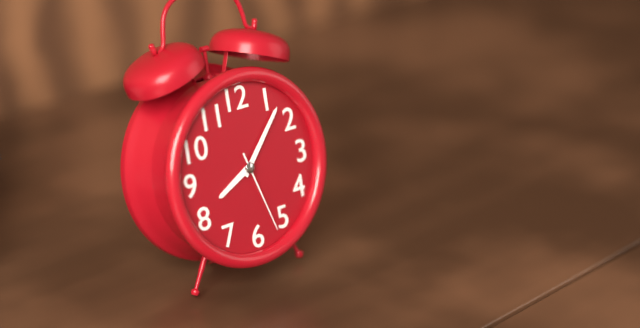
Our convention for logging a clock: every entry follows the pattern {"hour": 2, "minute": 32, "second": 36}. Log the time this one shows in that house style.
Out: {"hour": 8, "minute": 7, "second": 27}
